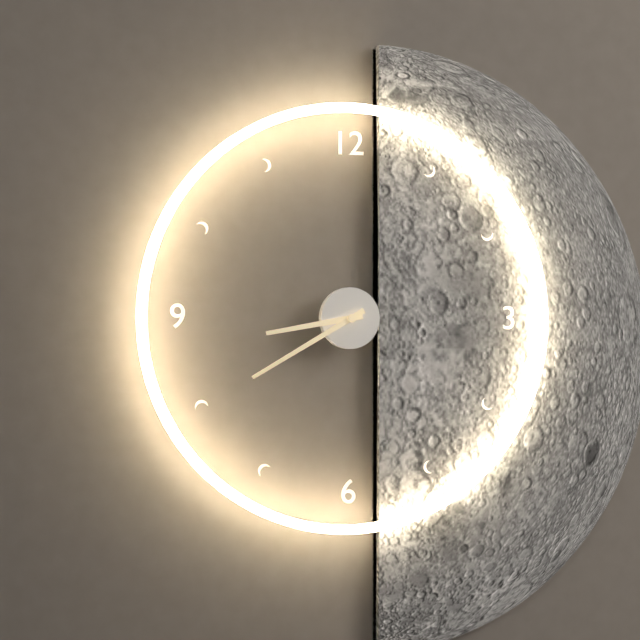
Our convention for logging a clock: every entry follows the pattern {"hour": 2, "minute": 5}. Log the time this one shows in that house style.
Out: {"hour": 8, "minute": 40}
